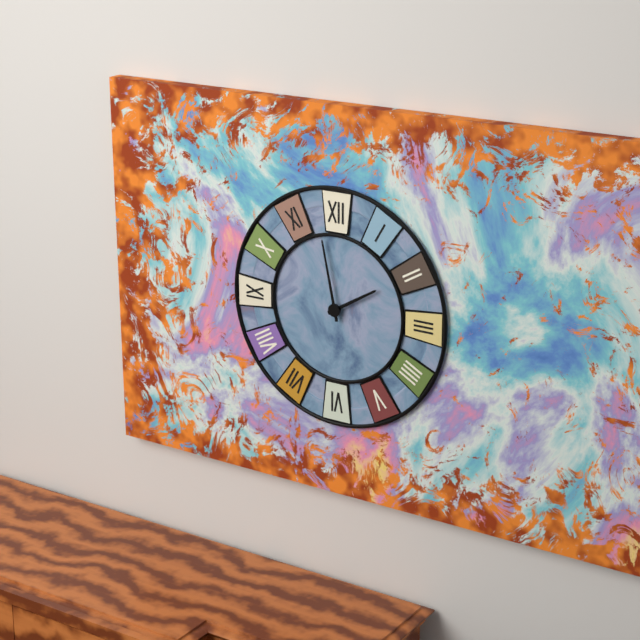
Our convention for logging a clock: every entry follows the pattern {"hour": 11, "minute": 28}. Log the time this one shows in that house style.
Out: {"hour": 1, "minute": 58}
